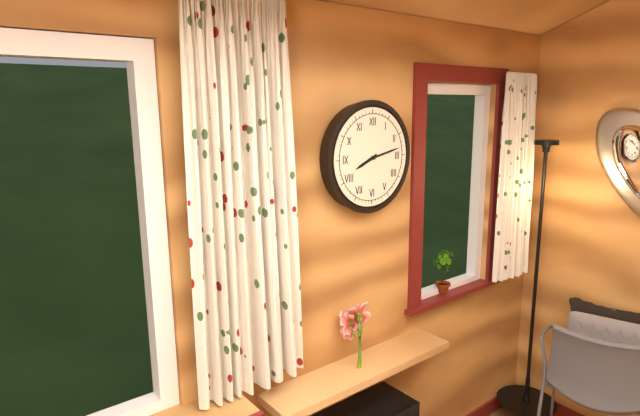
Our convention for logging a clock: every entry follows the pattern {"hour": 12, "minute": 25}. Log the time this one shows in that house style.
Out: {"hour": 8, "minute": 13}
